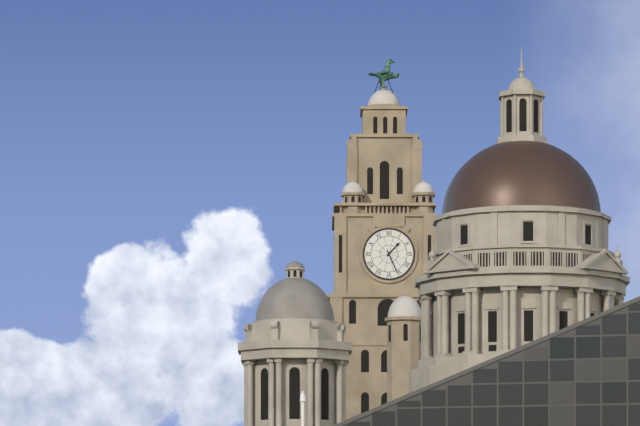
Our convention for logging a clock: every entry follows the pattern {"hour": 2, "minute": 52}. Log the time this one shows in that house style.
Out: {"hour": 1, "minute": 26}
